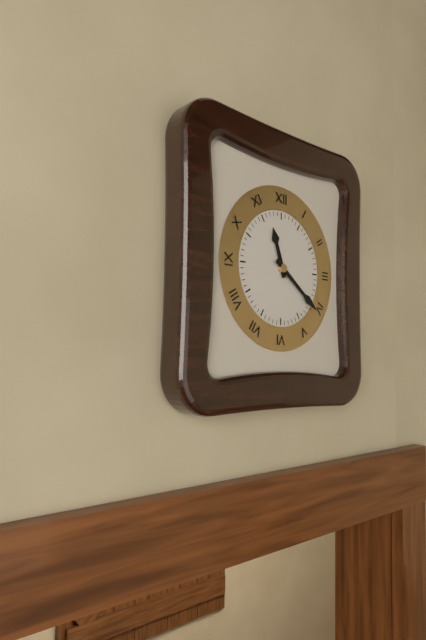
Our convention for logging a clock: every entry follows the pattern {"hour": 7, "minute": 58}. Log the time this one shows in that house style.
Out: {"hour": 11, "minute": 21}
